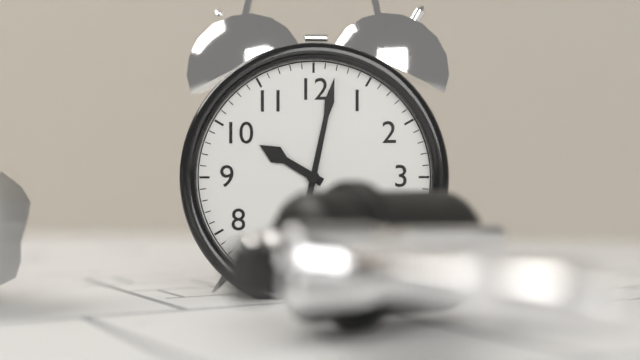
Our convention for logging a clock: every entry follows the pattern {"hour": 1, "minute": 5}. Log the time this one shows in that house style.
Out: {"hour": 10, "minute": 2}
